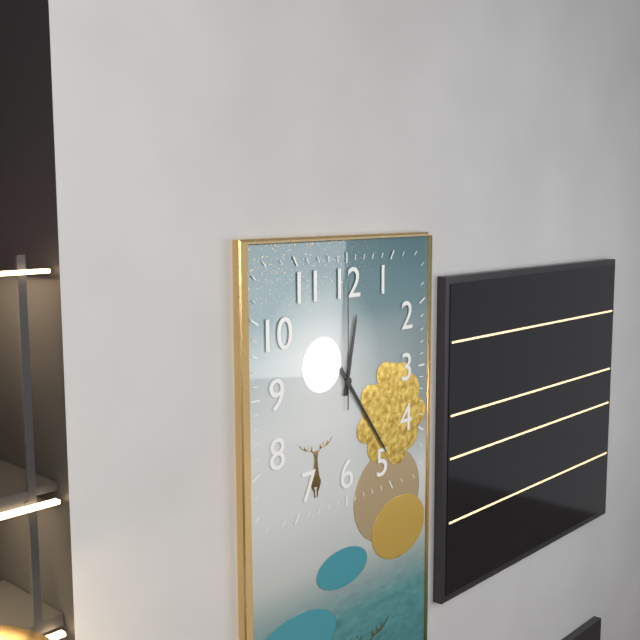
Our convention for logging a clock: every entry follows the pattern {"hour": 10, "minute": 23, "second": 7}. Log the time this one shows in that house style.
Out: {"hour": 12, "minute": 24, "second": 0}
